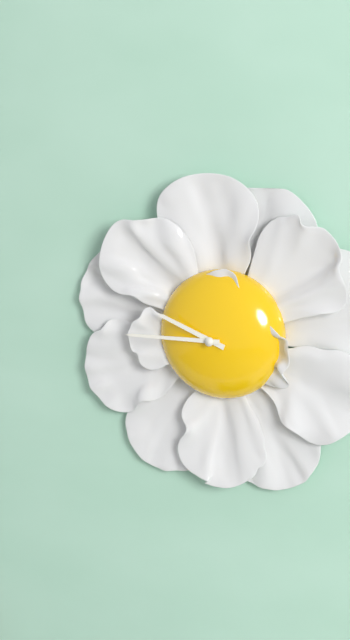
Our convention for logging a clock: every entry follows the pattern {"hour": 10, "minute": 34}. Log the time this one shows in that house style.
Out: {"hour": 9, "minute": 45}
